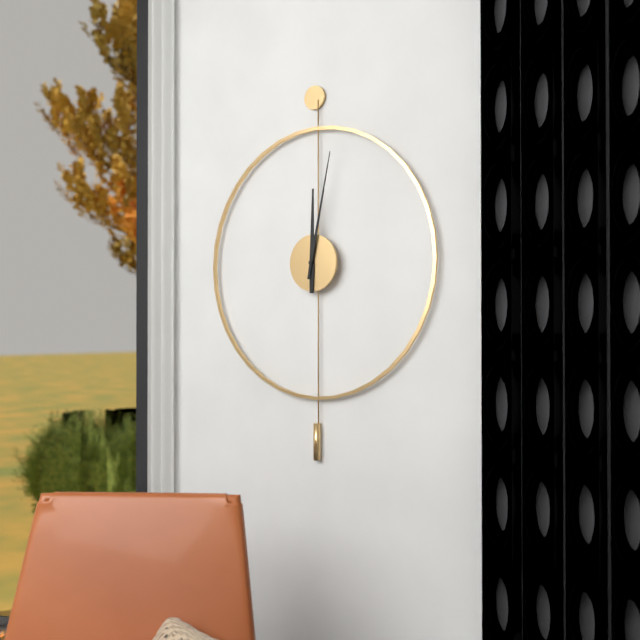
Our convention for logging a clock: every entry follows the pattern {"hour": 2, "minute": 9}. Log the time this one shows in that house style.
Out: {"hour": 12, "minute": 2}
